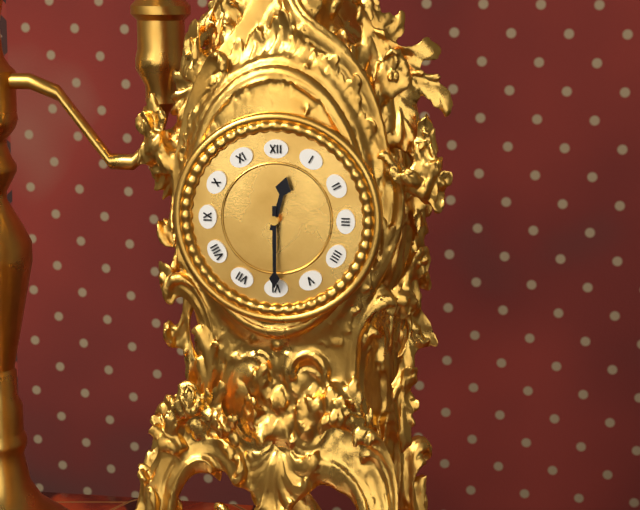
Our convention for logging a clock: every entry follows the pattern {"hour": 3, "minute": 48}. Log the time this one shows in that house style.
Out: {"hour": 12, "minute": 30}
